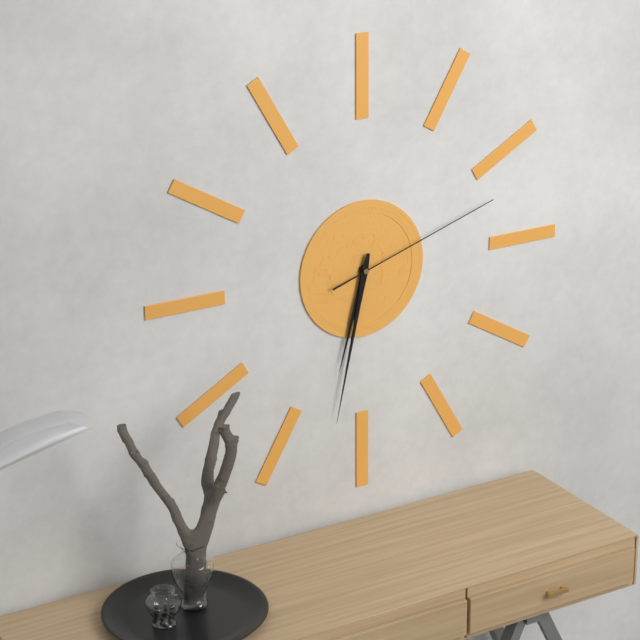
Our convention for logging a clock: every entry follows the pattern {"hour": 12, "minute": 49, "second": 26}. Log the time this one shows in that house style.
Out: {"hour": 6, "minute": 32, "second": 12}
